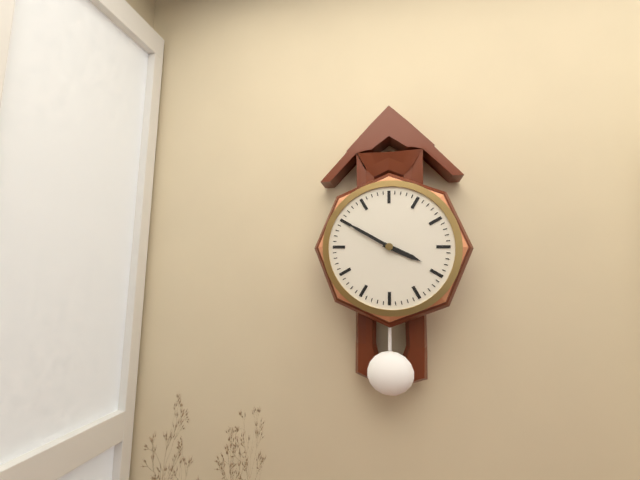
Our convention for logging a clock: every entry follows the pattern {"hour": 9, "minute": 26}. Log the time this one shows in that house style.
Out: {"hour": 3, "minute": 50}
